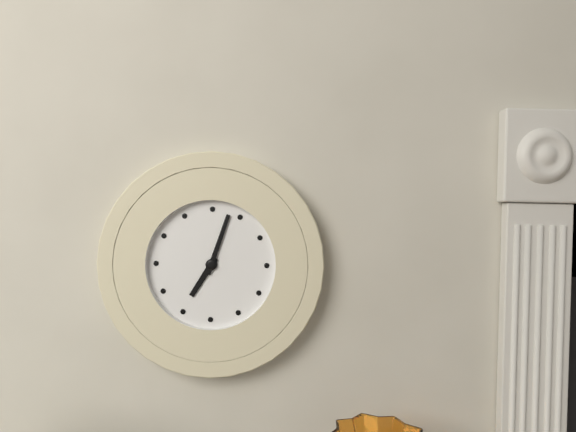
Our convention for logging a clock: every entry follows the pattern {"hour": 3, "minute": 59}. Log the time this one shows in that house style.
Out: {"hour": 7, "minute": 3}
